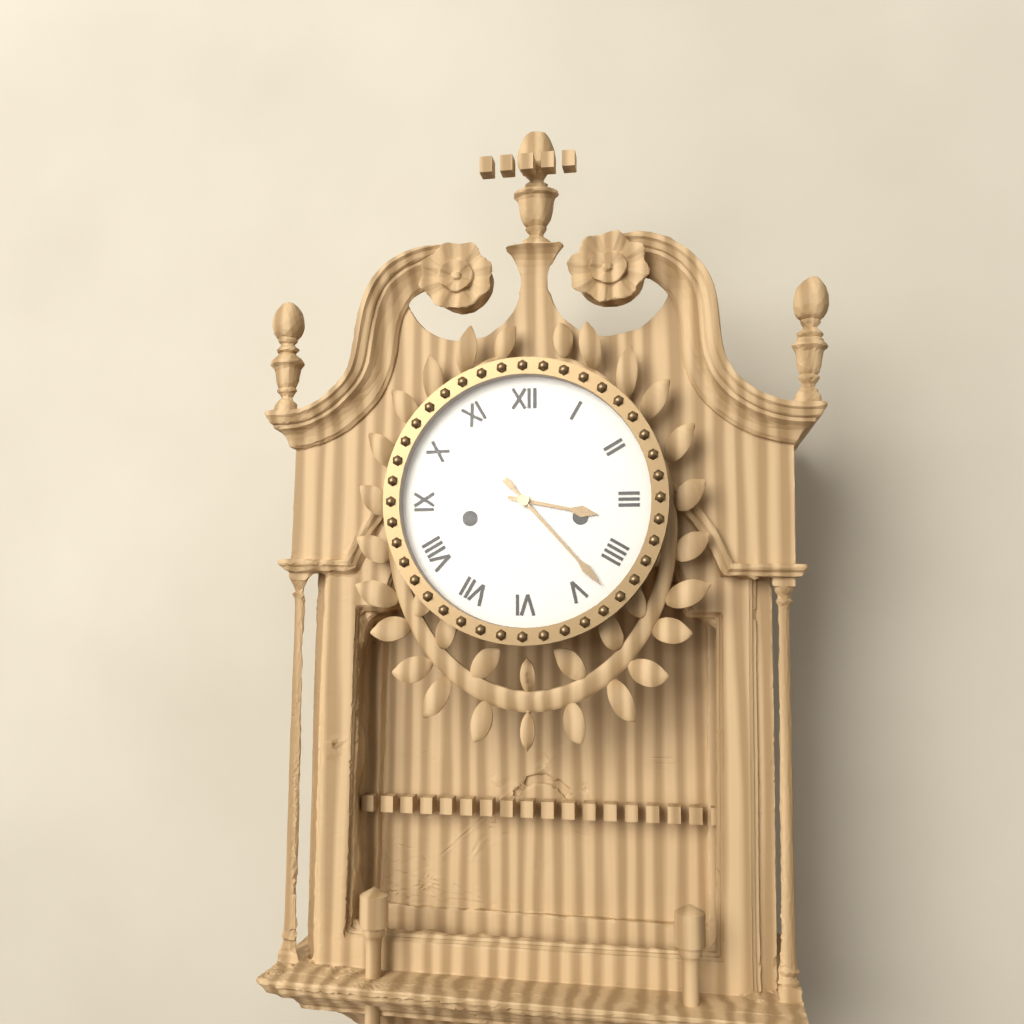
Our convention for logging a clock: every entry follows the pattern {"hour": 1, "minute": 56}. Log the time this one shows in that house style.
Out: {"hour": 3, "minute": 23}
